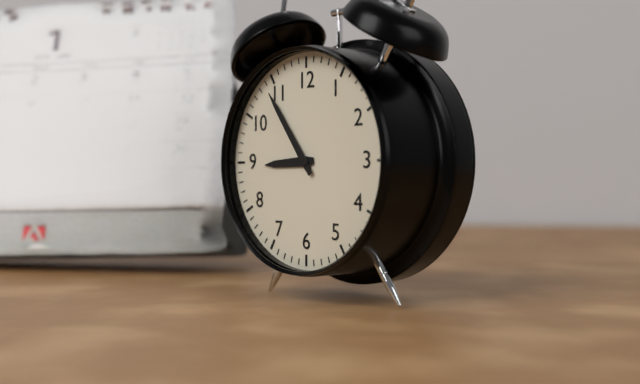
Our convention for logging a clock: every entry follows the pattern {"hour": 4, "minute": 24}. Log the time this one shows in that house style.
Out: {"hour": 8, "minute": 54}
